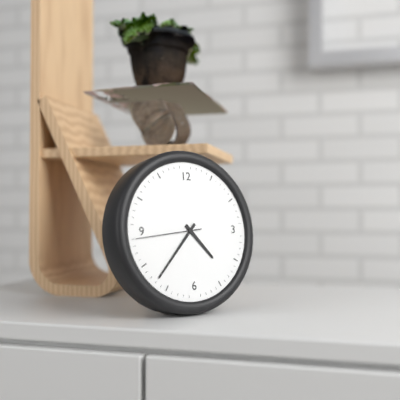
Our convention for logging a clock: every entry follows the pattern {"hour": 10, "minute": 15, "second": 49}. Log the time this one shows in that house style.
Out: {"hour": 4, "minute": 37, "second": 44}
